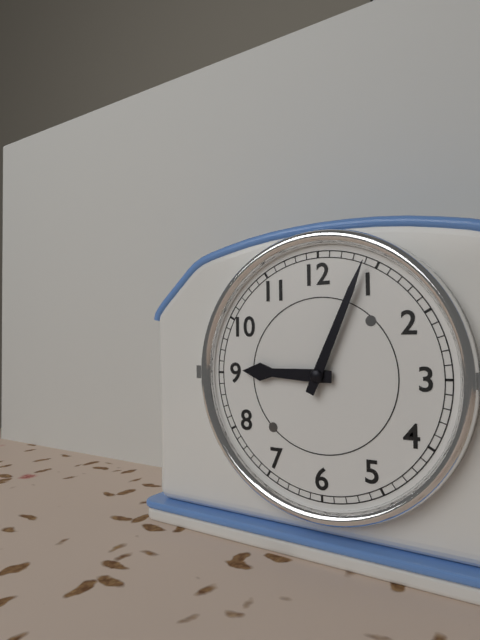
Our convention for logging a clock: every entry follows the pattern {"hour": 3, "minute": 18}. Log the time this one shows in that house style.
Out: {"hour": 9, "minute": 4}
